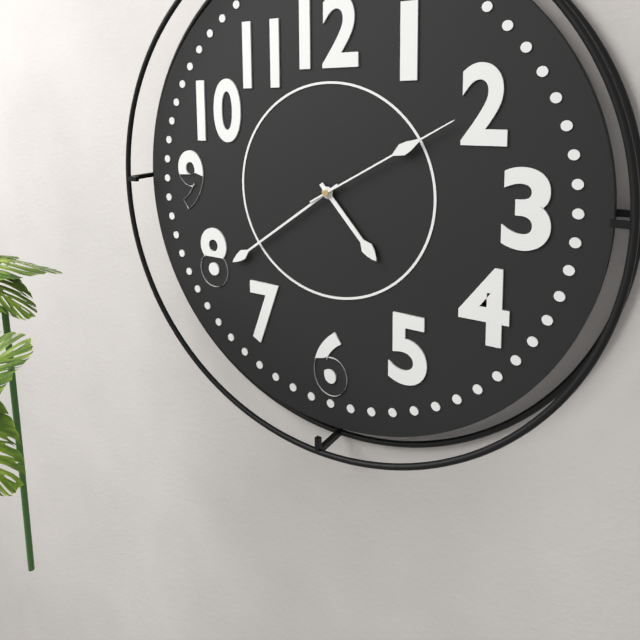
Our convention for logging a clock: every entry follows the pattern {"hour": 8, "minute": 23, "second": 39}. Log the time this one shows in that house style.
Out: {"hour": 4, "minute": 39, "second": 10}
